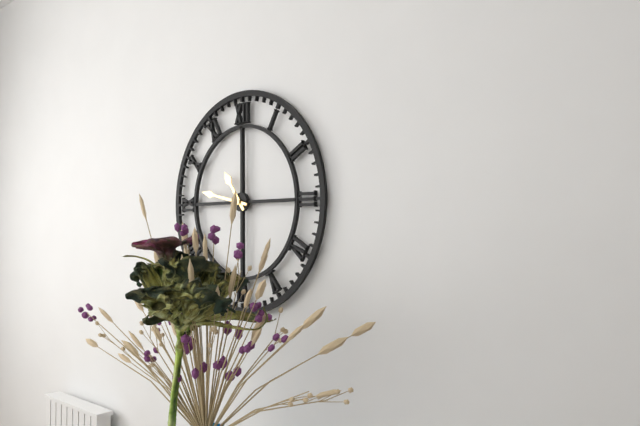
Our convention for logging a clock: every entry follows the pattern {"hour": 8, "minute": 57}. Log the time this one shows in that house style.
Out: {"hour": 10, "minute": 47}
